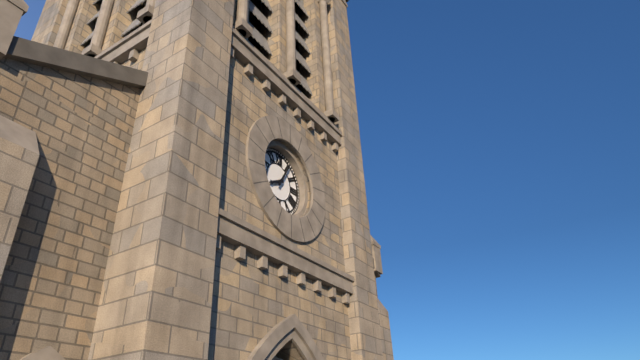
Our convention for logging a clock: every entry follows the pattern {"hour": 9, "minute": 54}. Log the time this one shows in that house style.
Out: {"hour": 8, "minute": 5}
